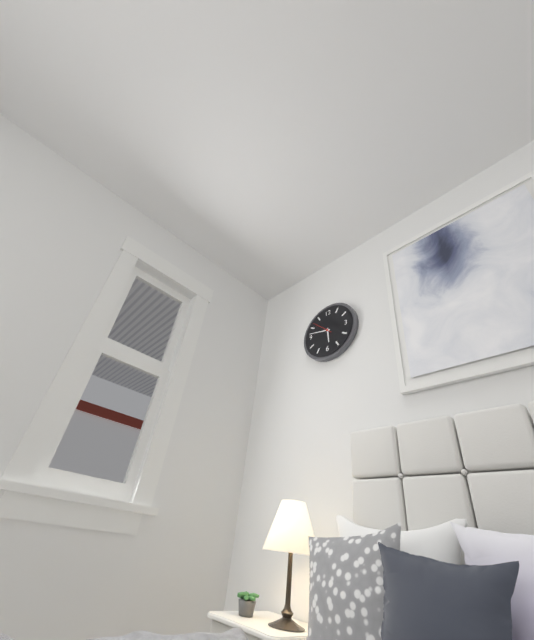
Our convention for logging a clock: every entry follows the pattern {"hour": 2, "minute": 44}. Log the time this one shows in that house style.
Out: {"hour": 5, "minute": 47}
